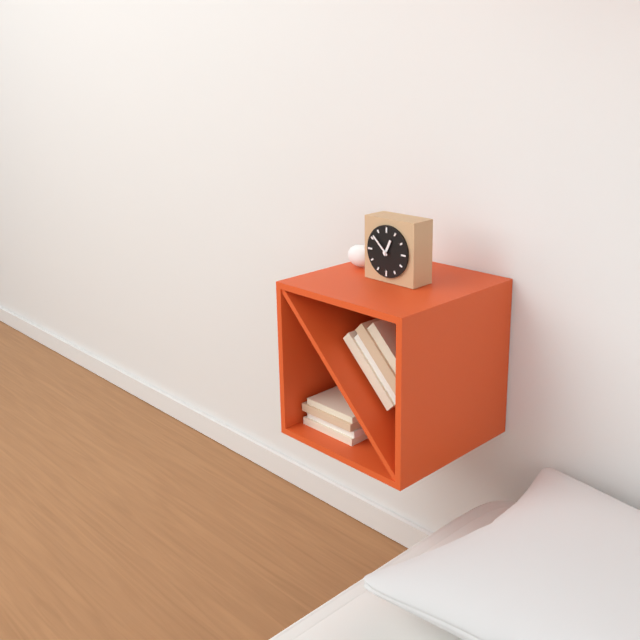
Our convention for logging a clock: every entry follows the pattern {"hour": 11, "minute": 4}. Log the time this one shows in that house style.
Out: {"hour": 12, "minute": 52}
